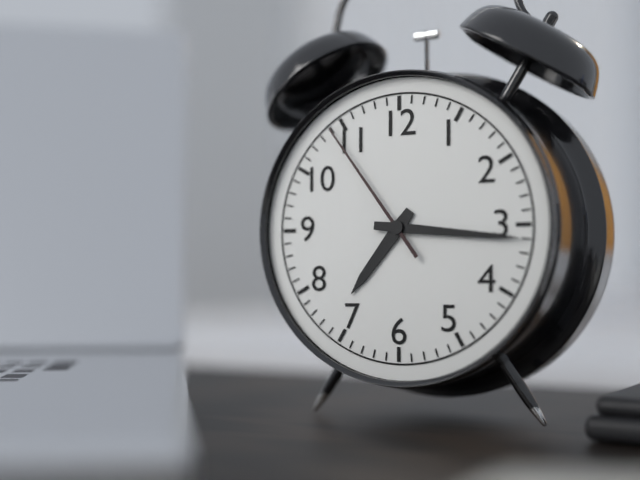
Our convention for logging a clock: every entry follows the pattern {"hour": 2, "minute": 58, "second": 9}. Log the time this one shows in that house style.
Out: {"hour": 7, "minute": 16, "second": 54}
